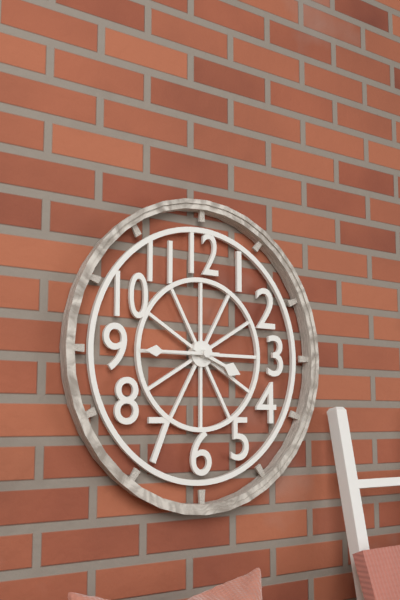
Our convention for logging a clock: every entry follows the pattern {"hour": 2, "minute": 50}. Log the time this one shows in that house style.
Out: {"hour": 3, "minute": 45}
